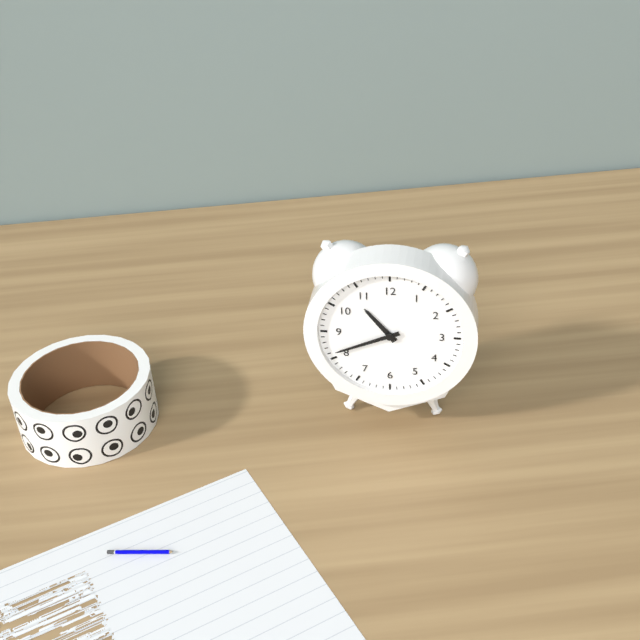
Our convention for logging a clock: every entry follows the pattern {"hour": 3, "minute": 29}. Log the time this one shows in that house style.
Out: {"hour": 10, "minute": 41}
